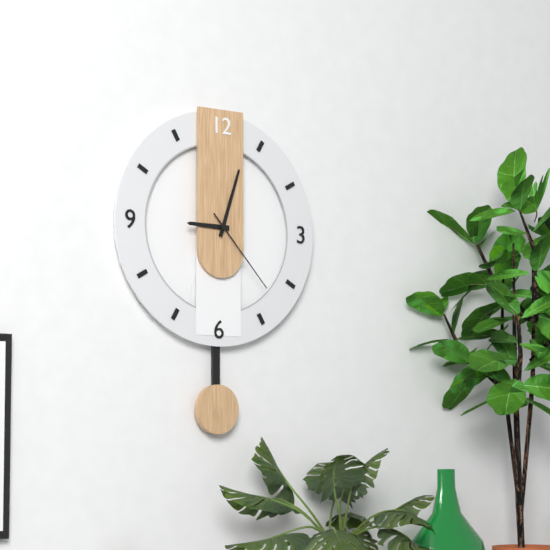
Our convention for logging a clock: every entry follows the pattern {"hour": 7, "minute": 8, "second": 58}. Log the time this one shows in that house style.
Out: {"hour": 9, "minute": 3, "second": 23}
